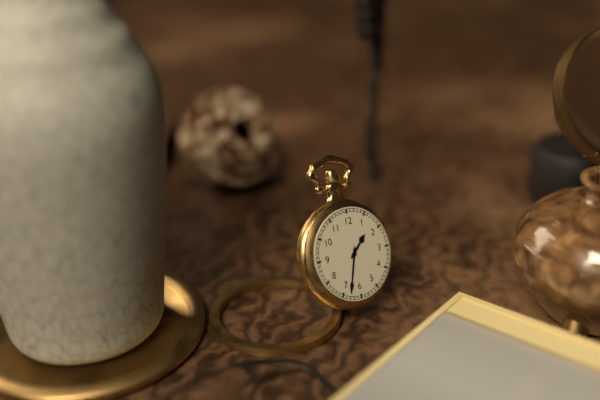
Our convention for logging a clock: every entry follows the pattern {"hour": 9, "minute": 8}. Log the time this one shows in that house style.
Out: {"hour": 1, "minute": 33}
